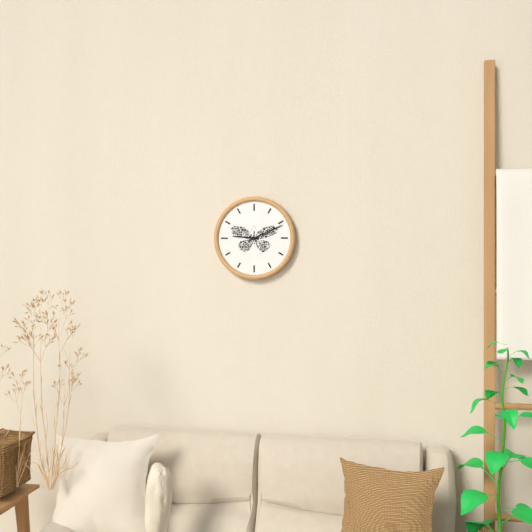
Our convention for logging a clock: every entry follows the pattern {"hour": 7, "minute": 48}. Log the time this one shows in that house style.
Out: {"hour": 9, "minute": 11}
